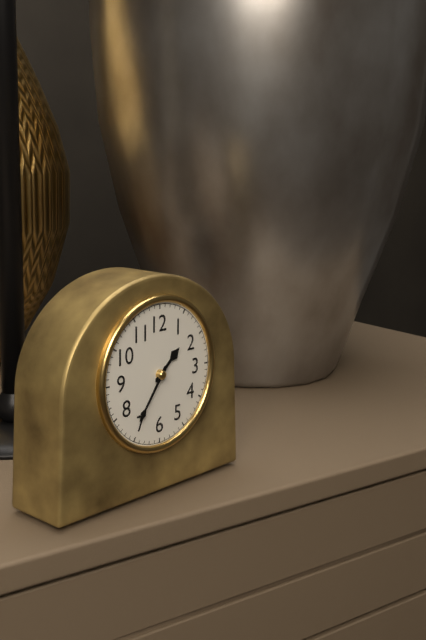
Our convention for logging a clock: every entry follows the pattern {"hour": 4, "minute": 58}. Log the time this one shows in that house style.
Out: {"hour": 1, "minute": 36}
